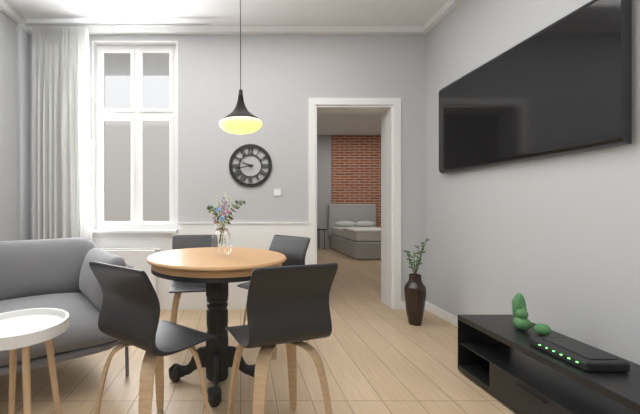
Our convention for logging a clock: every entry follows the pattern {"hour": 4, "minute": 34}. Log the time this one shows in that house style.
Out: {"hour": 9, "minute": 43}
